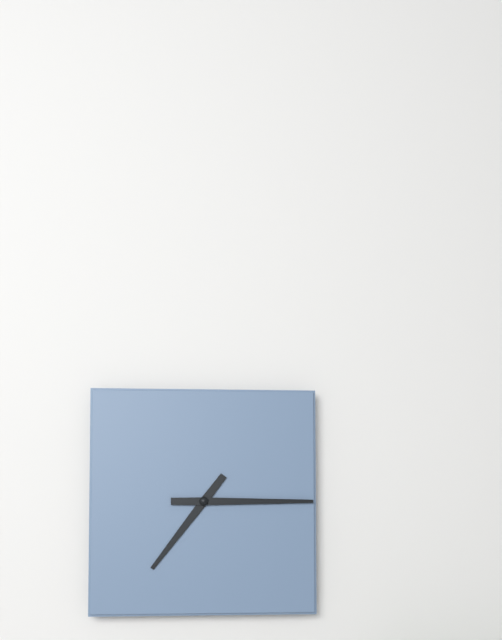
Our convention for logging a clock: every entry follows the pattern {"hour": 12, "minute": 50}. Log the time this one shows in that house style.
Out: {"hour": 7, "minute": 15}
